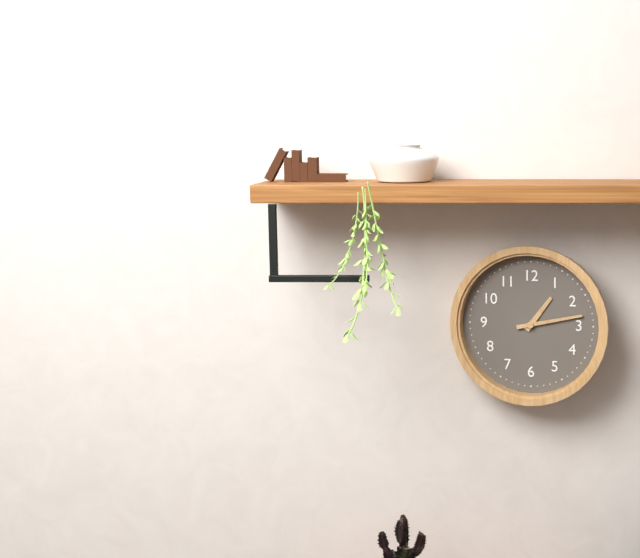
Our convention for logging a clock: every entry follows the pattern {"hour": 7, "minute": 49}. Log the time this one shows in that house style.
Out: {"hour": 1, "minute": 13}
